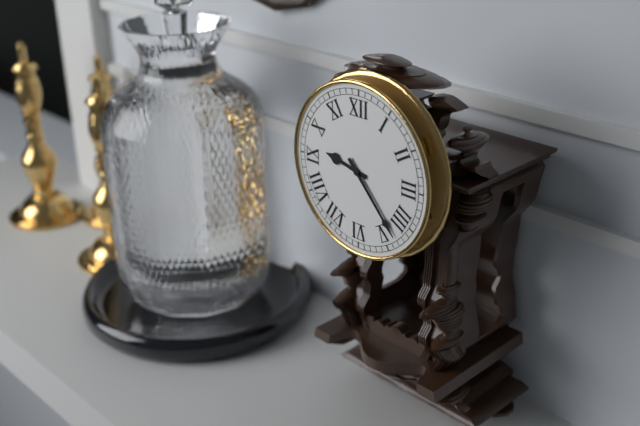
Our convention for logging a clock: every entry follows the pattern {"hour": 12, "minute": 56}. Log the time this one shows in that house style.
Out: {"hour": 9, "minute": 23}
